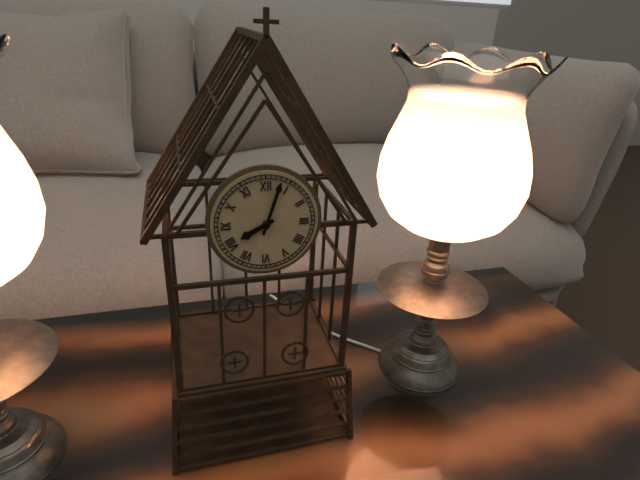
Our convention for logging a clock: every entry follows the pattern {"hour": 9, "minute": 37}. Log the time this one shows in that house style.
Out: {"hour": 8, "minute": 3}
